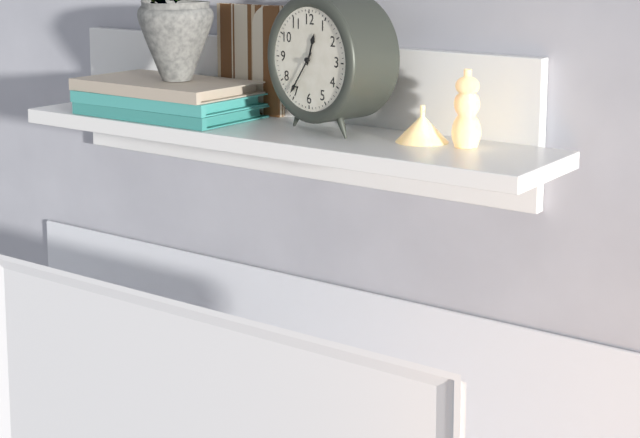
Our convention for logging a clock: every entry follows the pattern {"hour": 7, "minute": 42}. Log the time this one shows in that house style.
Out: {"hour": 12, "minute": 36}
